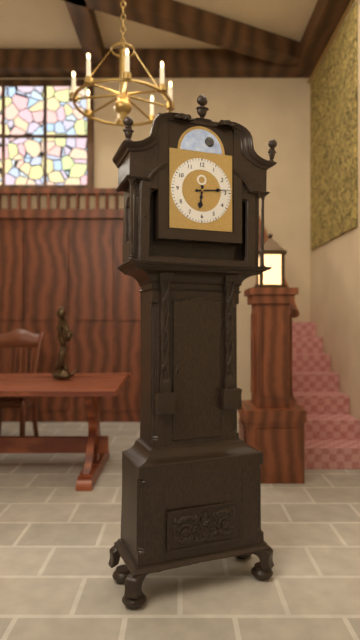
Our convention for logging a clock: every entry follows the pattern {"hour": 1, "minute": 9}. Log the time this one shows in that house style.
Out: {"hour": 6, "minute": 14}
